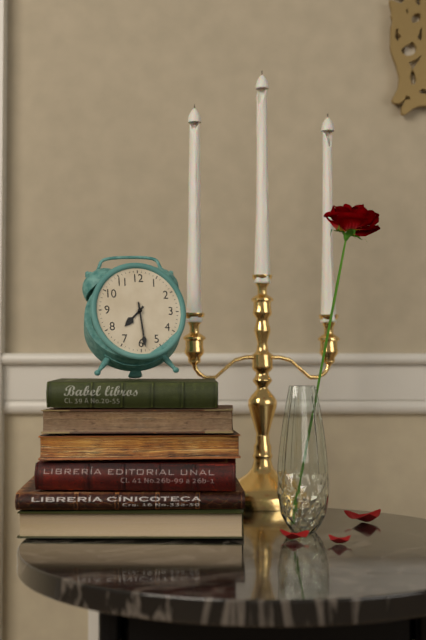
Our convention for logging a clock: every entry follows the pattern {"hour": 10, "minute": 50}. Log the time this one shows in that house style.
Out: {"hour": 7, "minute": 29}
